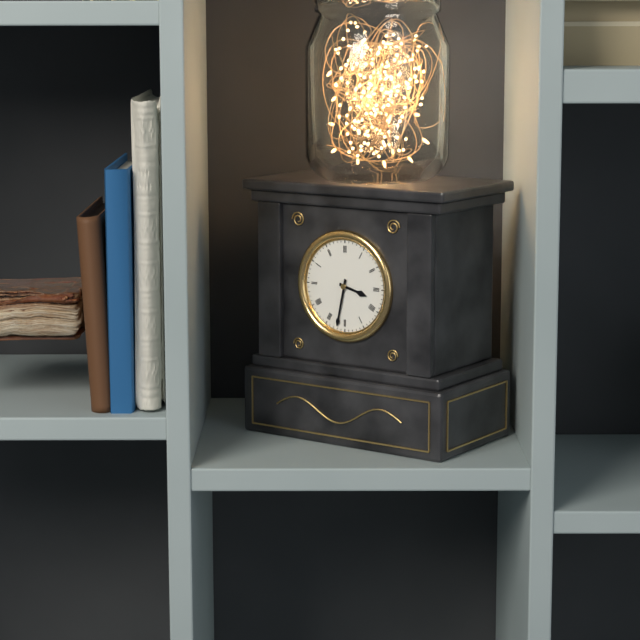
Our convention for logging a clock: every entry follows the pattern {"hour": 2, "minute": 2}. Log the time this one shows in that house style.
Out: {"hour": 3, "minute": 32}
